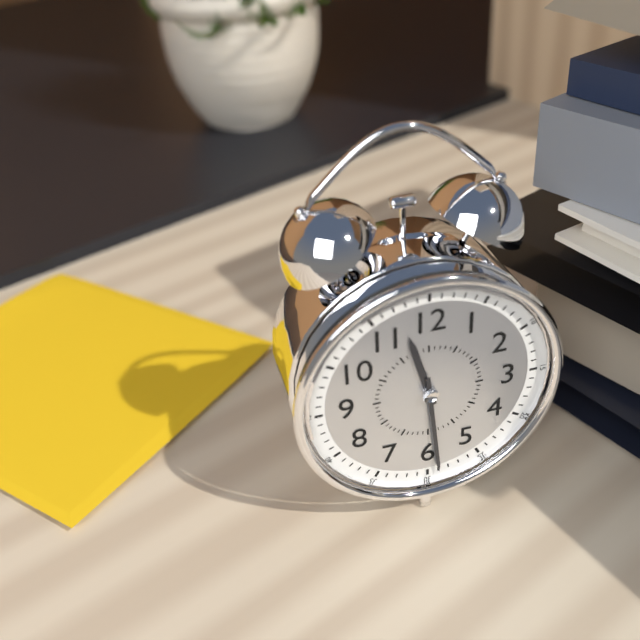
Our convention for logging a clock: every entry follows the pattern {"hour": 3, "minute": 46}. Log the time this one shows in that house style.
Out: {"hour": 11, "minute": 29}
